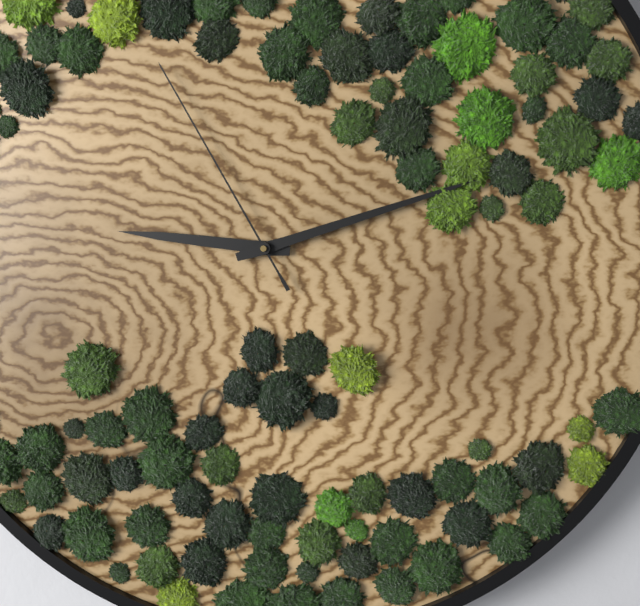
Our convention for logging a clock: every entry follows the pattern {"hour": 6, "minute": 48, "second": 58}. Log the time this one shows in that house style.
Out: {"hour": 9, "minute": 12, "second": 55}
